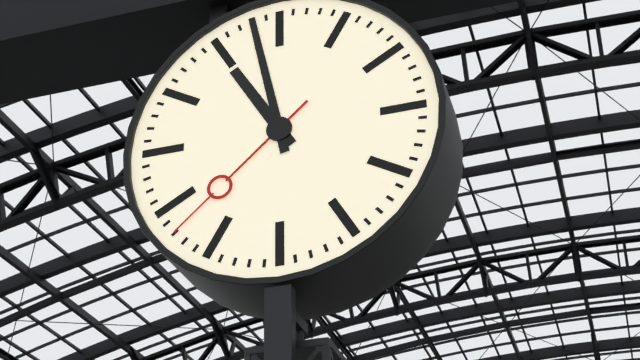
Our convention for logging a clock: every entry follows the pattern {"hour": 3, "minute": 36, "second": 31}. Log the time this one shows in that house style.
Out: {"hour": 10, "minute": 58, "second": 38}
